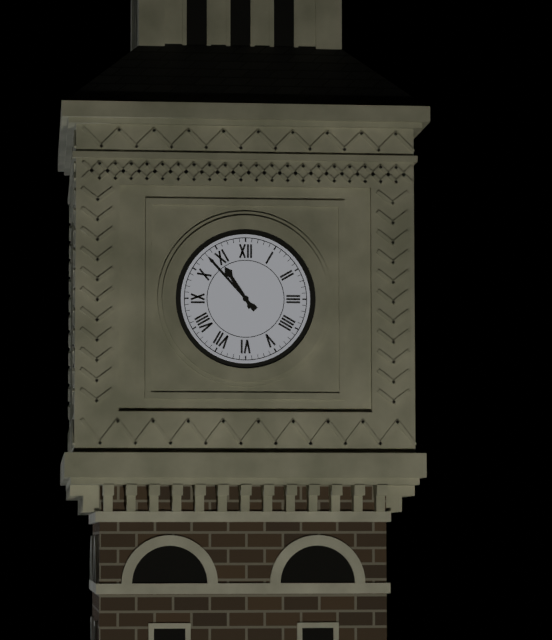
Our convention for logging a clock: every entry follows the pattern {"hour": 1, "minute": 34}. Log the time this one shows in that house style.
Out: {"hour": 10, "minute": 53}
